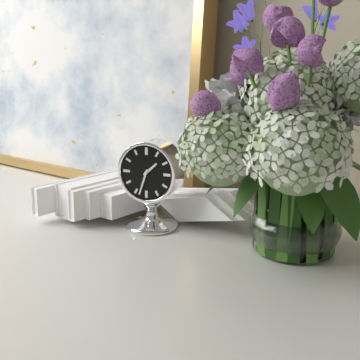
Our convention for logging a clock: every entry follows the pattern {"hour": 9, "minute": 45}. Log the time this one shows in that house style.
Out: {"hour": 1, "minute": 33}
